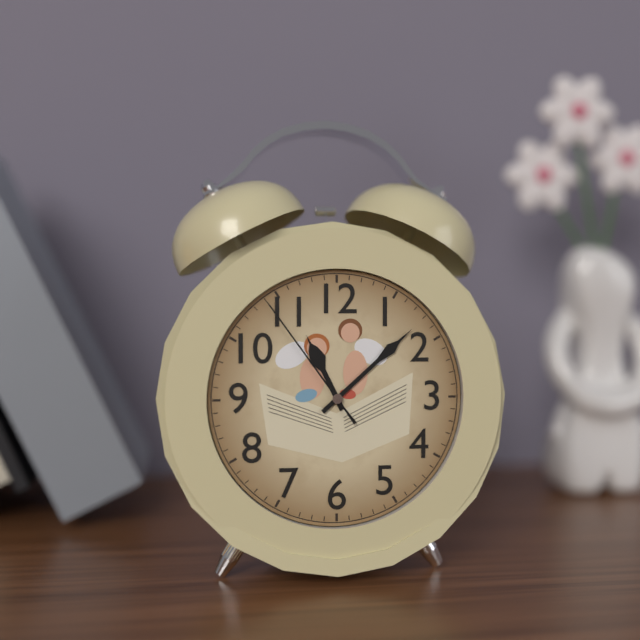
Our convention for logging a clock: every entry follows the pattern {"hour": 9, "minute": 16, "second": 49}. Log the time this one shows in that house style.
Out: {"hour": 11, "minute": 8, "second": 54}
